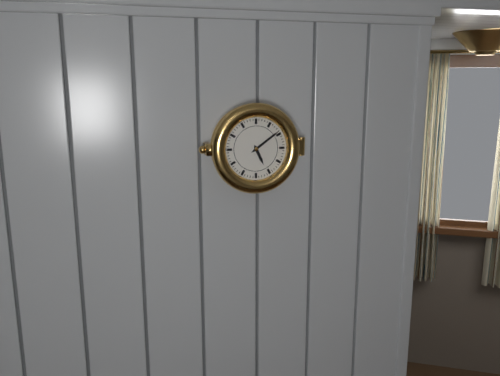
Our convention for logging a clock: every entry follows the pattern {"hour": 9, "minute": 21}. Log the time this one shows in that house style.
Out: {"hour": 5, "minute": 9}
